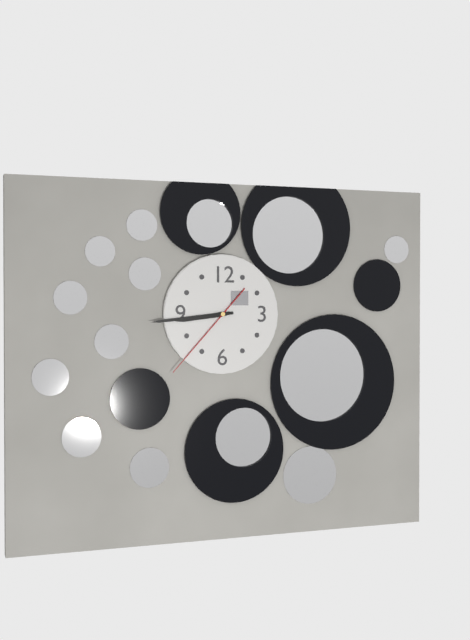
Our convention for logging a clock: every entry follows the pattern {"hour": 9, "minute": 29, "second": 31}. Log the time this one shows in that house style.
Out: {"hour": 8, "minute": 44, "second": 37}
